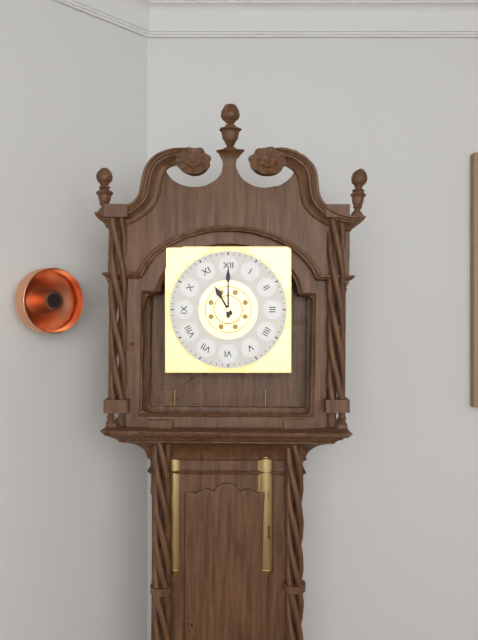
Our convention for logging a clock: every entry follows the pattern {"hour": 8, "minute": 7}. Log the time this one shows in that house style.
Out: {"hour": 11, "minute": 0}
